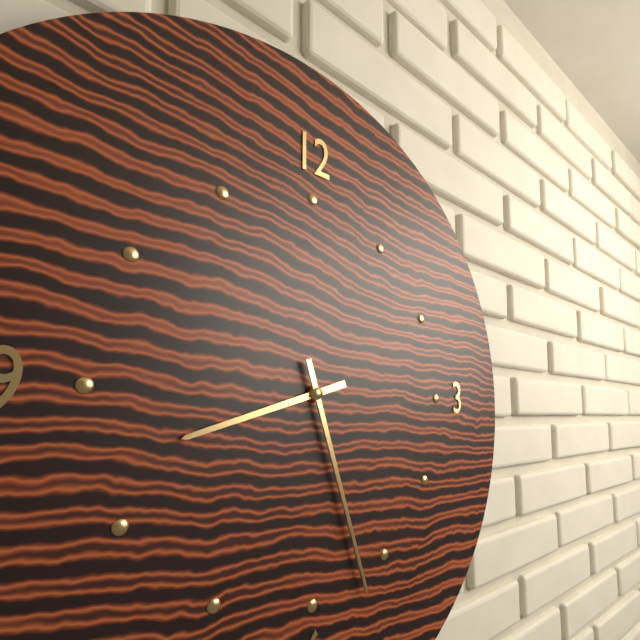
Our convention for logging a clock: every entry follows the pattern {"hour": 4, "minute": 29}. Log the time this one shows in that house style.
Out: {"hour": 8, "minute": 27}
